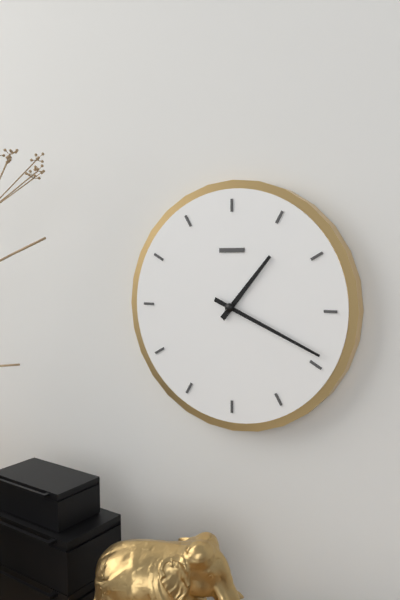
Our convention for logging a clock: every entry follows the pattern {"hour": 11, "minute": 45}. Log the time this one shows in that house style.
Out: {"hour": 1, "minute": 19}
